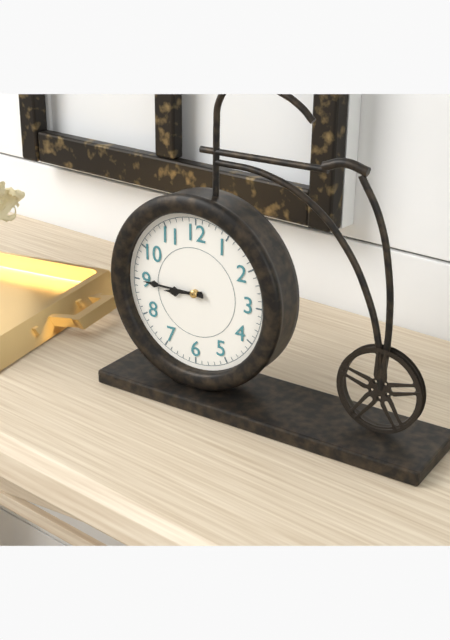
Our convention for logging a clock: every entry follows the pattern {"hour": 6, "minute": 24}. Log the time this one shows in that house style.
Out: {"hour": 8, "minute": 45}
